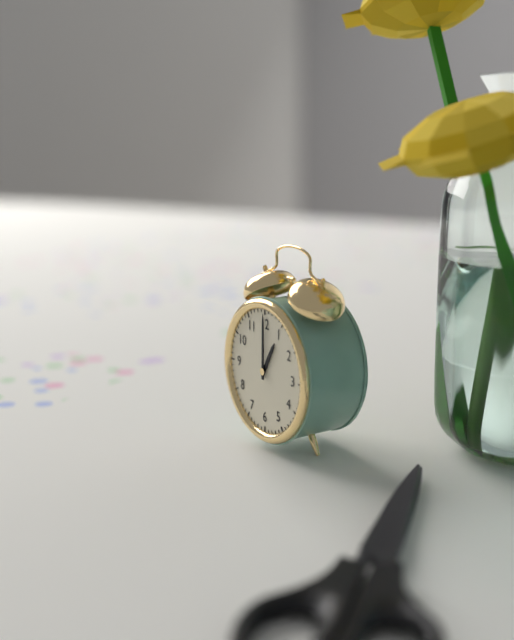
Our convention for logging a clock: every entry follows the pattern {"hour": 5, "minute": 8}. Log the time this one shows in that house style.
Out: {"hour": 1, "minute": 0}
